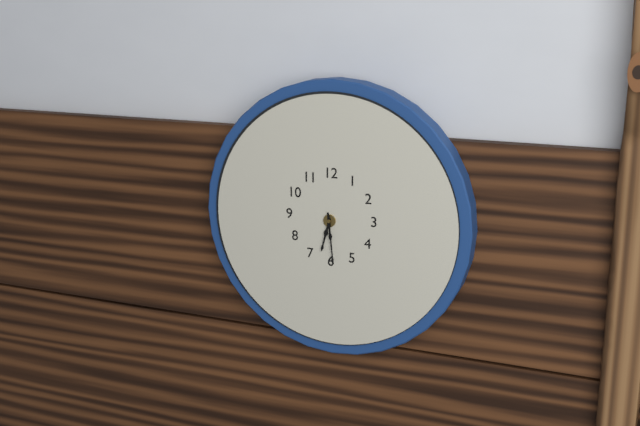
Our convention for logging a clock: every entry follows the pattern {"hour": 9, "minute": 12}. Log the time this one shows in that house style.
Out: {"hour": 6, "minute": 29}
